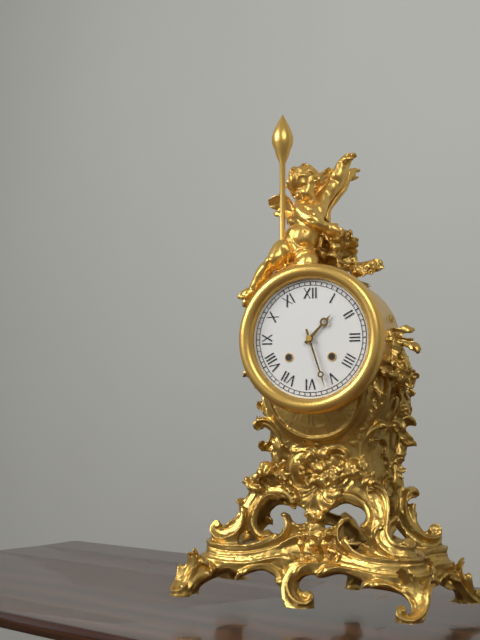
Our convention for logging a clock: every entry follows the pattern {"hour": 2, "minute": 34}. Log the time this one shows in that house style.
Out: {"hour": 1, "minute": 27}
